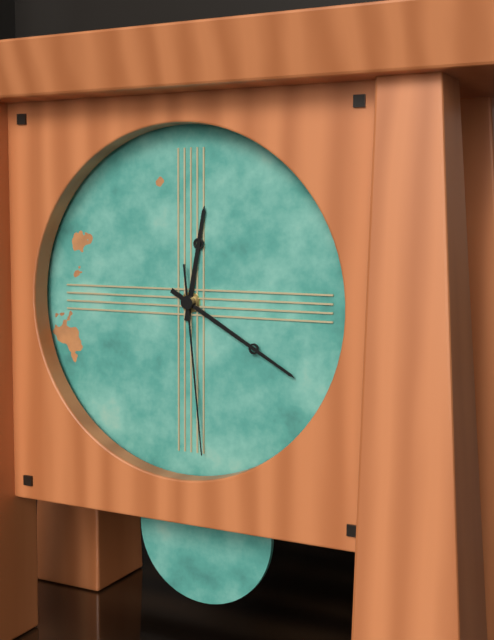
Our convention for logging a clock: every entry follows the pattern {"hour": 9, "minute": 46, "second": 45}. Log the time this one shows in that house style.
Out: {"hour": 12, "minute": 20, "second": 29}
